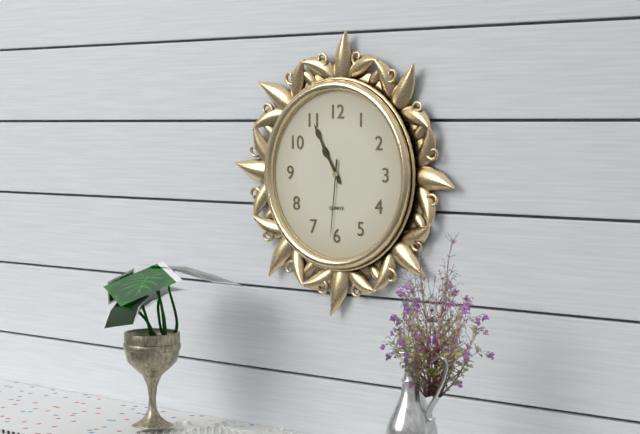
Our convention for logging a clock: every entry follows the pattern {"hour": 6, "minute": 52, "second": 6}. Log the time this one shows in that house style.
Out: {"hour": 10, "minute": 55, "second": 31}
